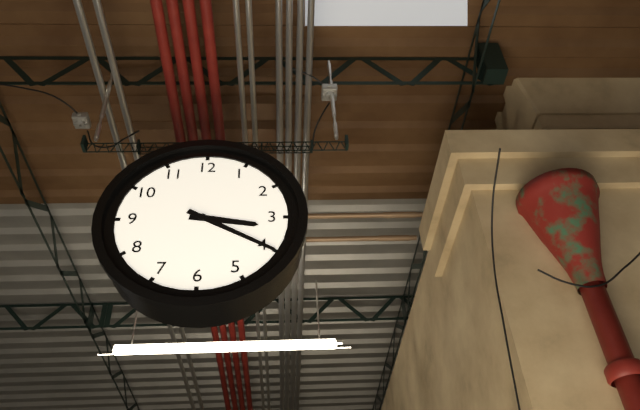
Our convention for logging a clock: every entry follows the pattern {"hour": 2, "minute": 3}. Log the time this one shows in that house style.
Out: {"hour": 3, "minute": 20}
